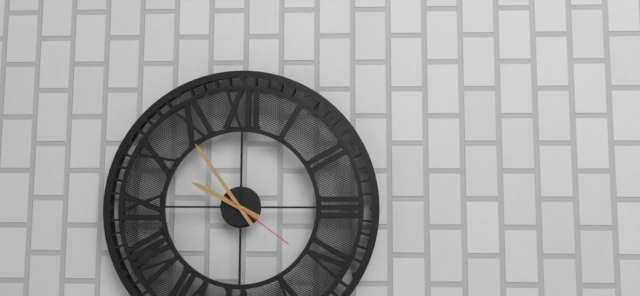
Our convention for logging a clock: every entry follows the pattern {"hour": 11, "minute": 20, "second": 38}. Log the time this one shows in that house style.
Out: {"hour": 9, "minute": 54, "second": 21}
